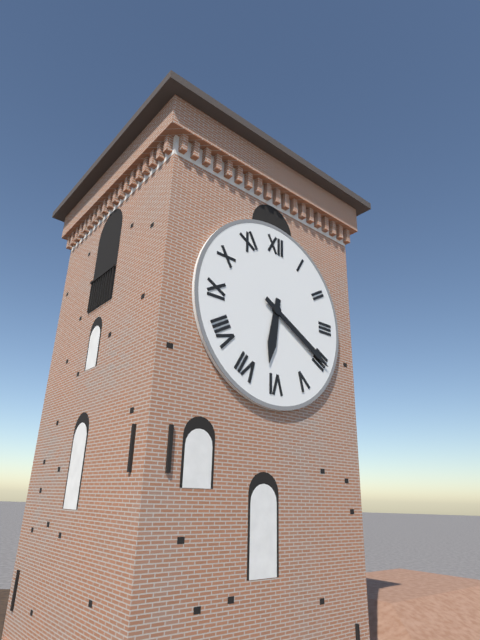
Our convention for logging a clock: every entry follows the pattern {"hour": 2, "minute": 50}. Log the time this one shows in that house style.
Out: {"hour": 6, "minute": 20}
